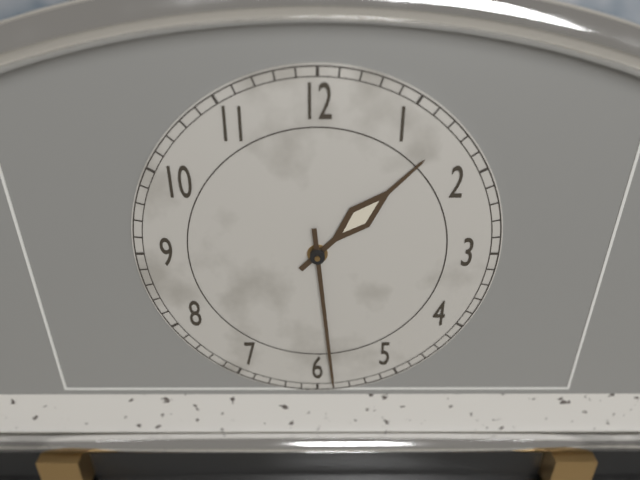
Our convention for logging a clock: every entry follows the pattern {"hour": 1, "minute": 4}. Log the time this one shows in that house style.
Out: {"hour": 1, "minute": 29}
